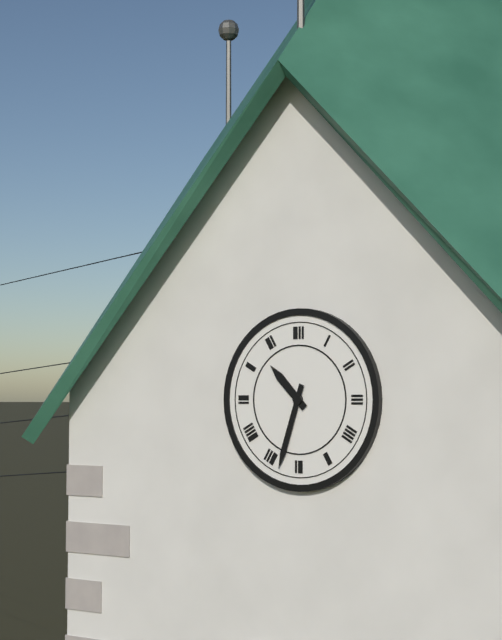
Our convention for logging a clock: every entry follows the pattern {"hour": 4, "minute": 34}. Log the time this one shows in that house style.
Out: {"hour": 10, "minute": 33}
